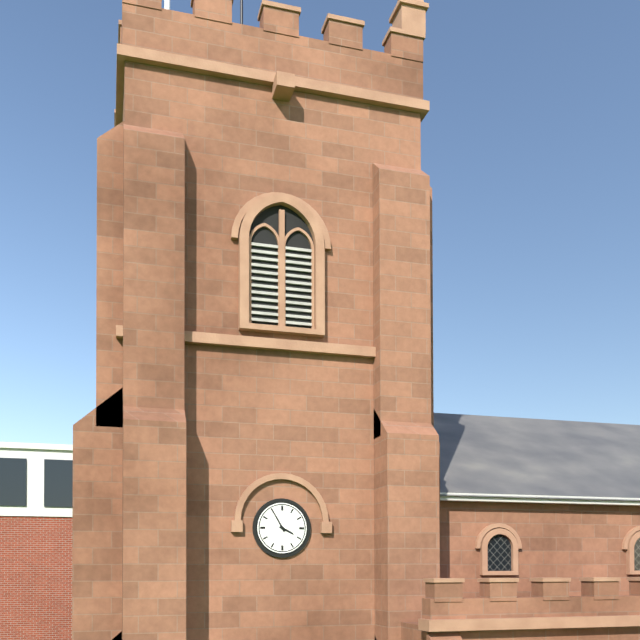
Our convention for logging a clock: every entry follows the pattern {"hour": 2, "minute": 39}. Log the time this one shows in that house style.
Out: {"hour": 3, "minute": 55}
